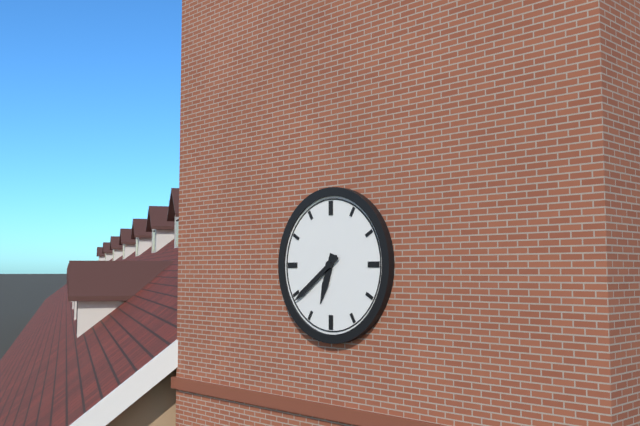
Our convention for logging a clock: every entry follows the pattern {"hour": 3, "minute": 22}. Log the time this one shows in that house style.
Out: {"hour": 6, "minute": 39}
